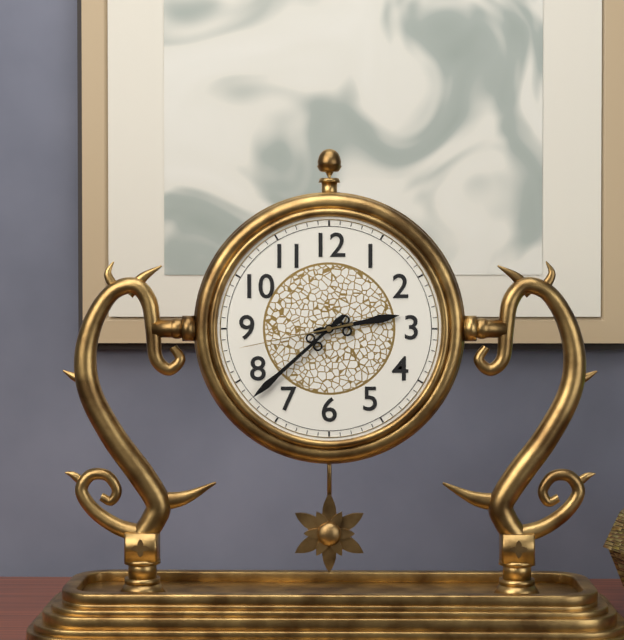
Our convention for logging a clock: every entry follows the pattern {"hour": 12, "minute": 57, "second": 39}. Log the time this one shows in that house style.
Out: {"hour": 2, "minute": 38, "second": 43}
